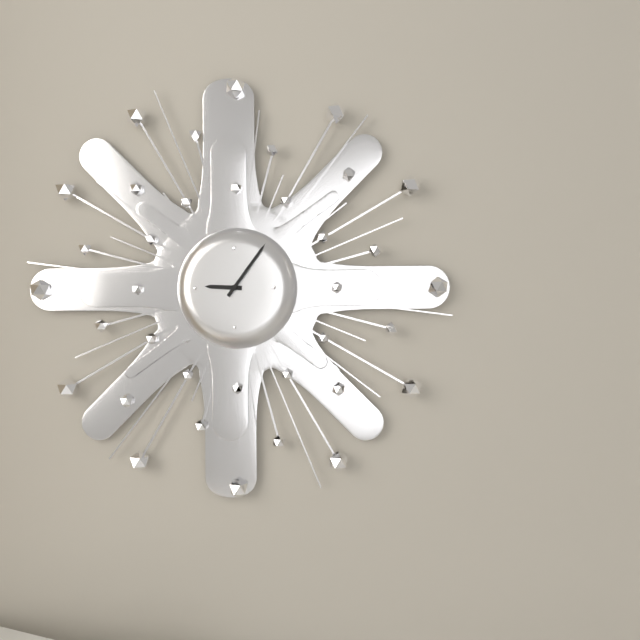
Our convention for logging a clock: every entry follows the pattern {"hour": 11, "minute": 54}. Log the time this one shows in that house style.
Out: {"hour": 9, "minute": 6}
